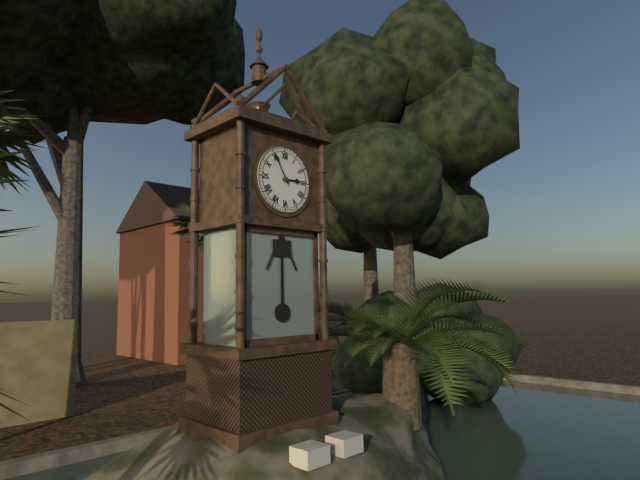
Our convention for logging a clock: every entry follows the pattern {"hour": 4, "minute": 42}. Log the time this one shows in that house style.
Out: {"hour": 2, "minute": 55}
